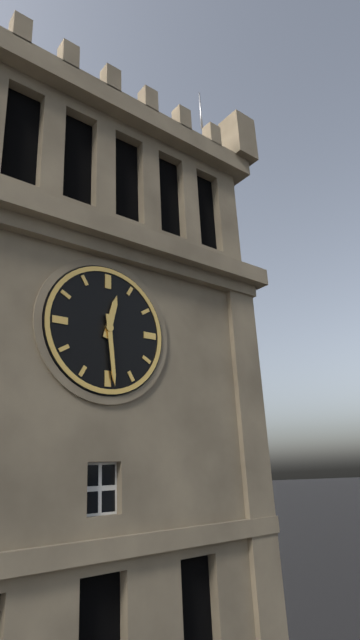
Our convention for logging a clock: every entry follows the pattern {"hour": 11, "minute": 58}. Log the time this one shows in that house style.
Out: {"hour": 12, "minute": 29}
